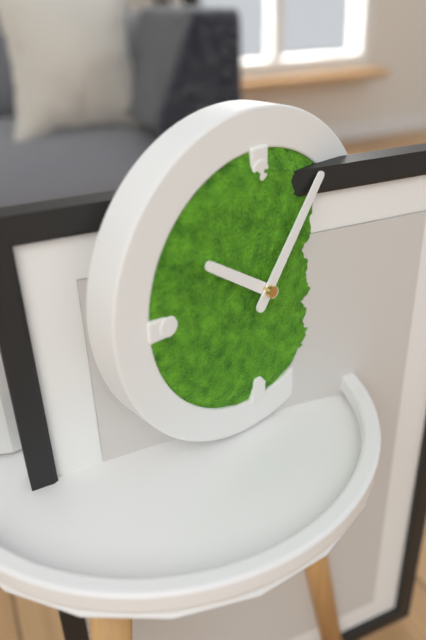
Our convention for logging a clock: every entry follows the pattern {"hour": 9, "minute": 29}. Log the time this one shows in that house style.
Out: {"hour": 10, "minute": 6}
